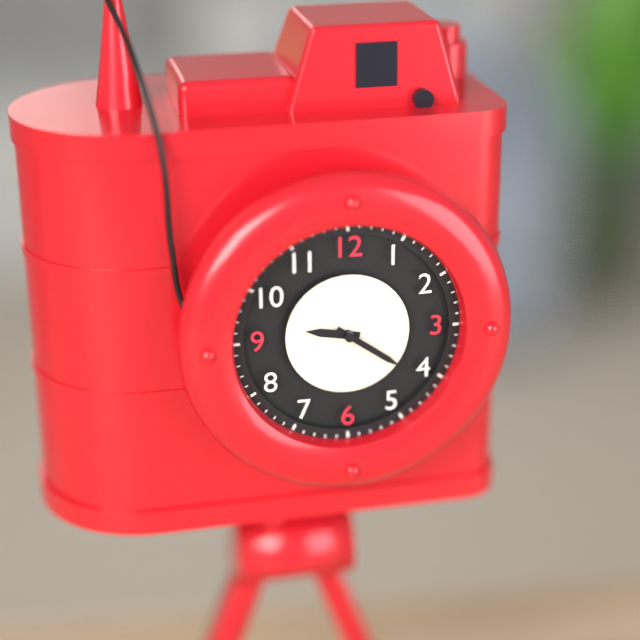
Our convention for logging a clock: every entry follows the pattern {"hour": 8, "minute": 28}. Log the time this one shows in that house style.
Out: {"hour": 9, "minute": 21}
